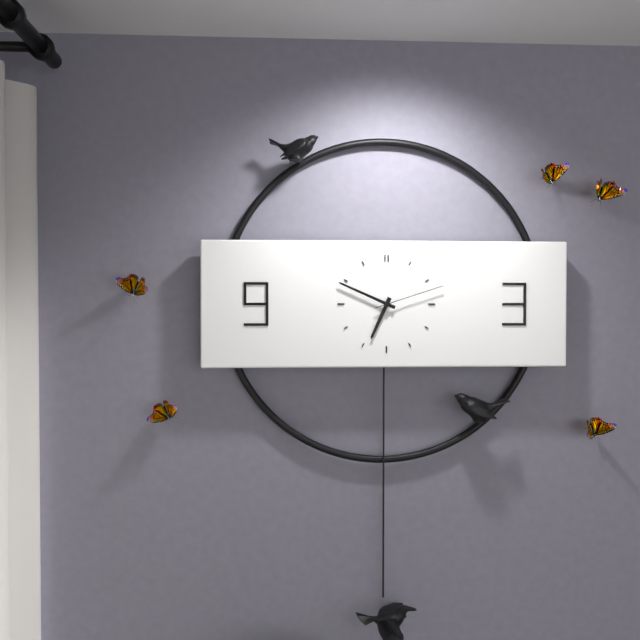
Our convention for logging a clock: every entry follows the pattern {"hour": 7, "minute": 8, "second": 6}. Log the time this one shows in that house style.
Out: {"hour": 6, "minute": 49, "second": 12}
